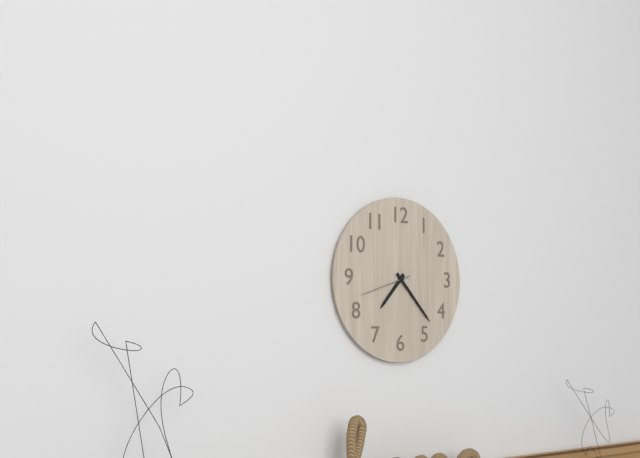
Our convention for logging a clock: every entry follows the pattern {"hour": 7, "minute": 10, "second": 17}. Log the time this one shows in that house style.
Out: {"hour": 7, "minute": 23, "second": 42}
